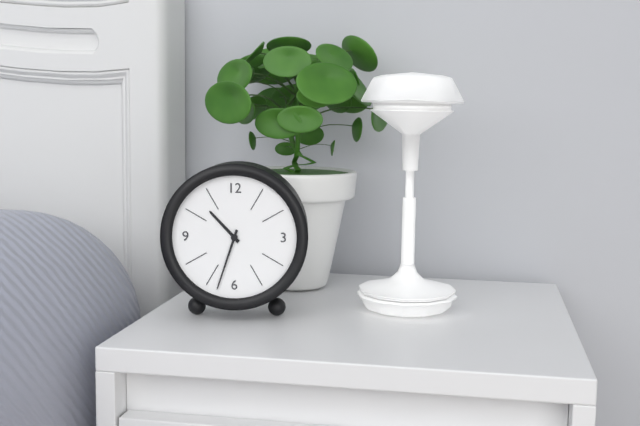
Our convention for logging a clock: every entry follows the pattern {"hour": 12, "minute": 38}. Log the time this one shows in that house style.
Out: {"hour": 10, "minute": 33}
